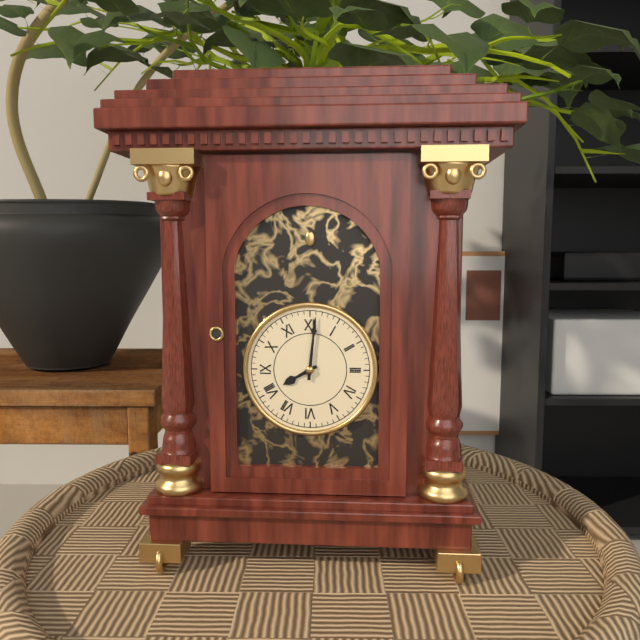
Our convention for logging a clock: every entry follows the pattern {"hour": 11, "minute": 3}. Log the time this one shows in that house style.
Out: {"hour": 8, "minute": 1}
